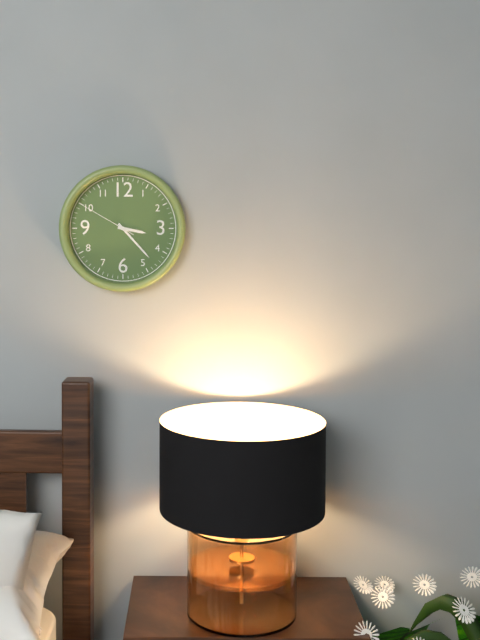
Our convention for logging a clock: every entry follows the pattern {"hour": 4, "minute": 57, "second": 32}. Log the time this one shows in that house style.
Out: {"hour": 3, "minute": 23, "second": 50}
